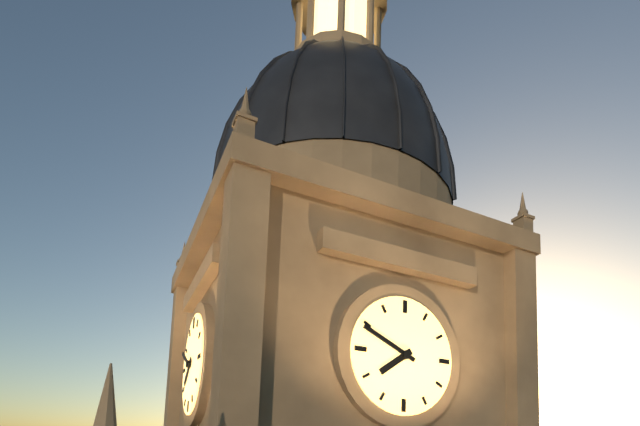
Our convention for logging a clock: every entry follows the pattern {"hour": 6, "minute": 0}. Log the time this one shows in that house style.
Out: {"hour": 7, "minute": 49}
